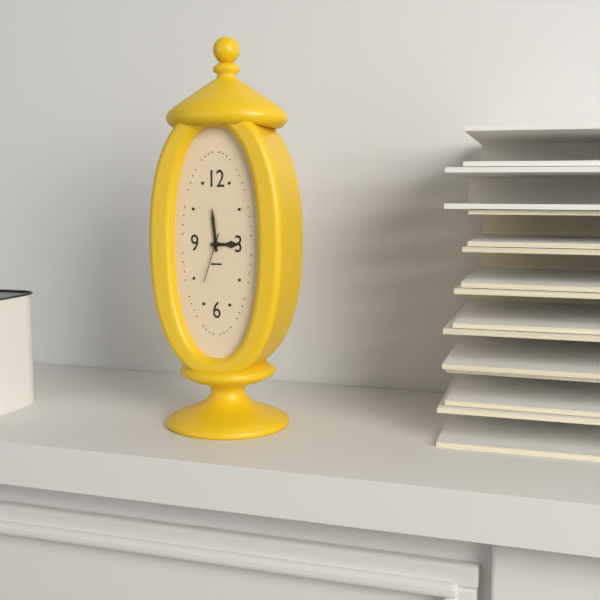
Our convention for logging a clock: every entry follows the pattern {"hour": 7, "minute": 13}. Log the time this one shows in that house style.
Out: {"hour": 2, "minute": 59}
